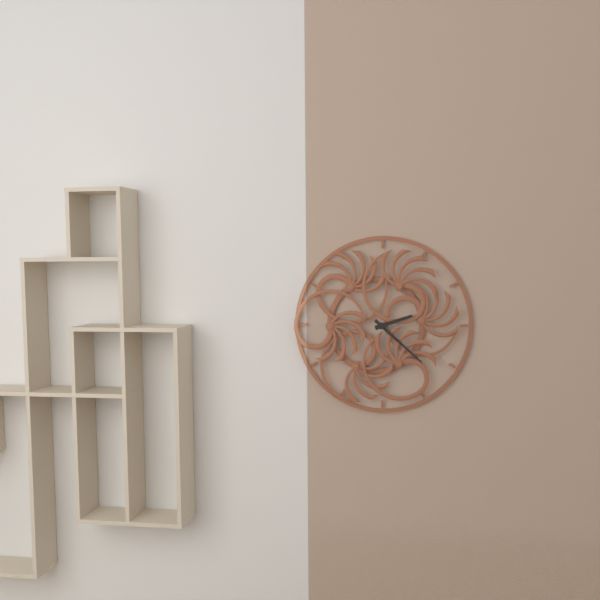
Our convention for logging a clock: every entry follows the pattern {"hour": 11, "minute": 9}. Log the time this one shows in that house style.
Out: {"hour": 2, "minute": 22}
